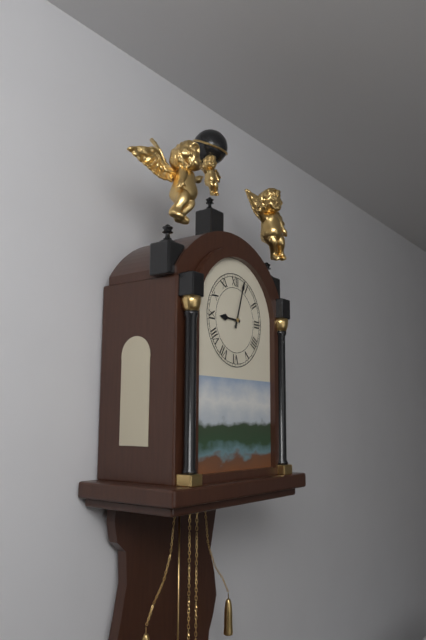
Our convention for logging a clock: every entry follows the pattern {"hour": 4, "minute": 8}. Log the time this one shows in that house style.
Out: {"hour": 9, "minute": 3}
